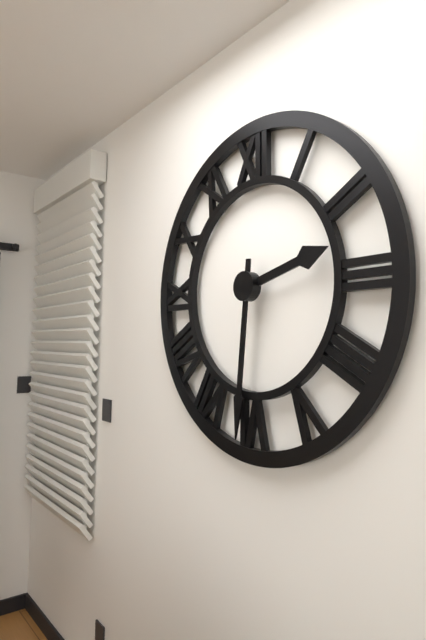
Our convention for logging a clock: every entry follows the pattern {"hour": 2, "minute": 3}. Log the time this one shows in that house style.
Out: {"hour": 2, "minute": 31}
